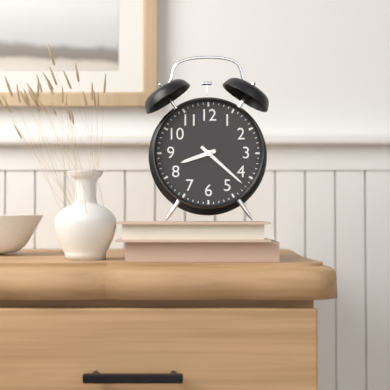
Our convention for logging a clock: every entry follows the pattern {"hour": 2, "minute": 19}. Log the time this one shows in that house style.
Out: {"hour": 8, "minute": 22}
